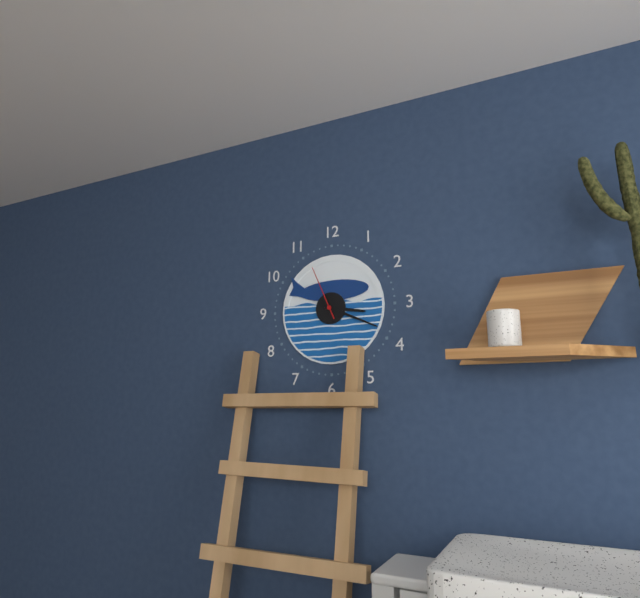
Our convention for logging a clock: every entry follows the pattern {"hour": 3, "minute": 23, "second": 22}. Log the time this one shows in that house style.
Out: {"hour": 3, "minute": 19, "second": 56}
